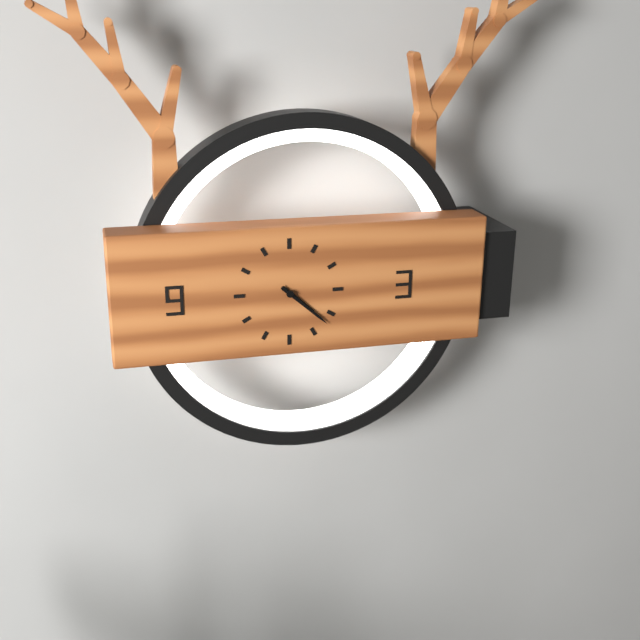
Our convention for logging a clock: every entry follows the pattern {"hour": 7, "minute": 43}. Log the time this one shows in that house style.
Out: {"hour": 4, "minute": 22}
